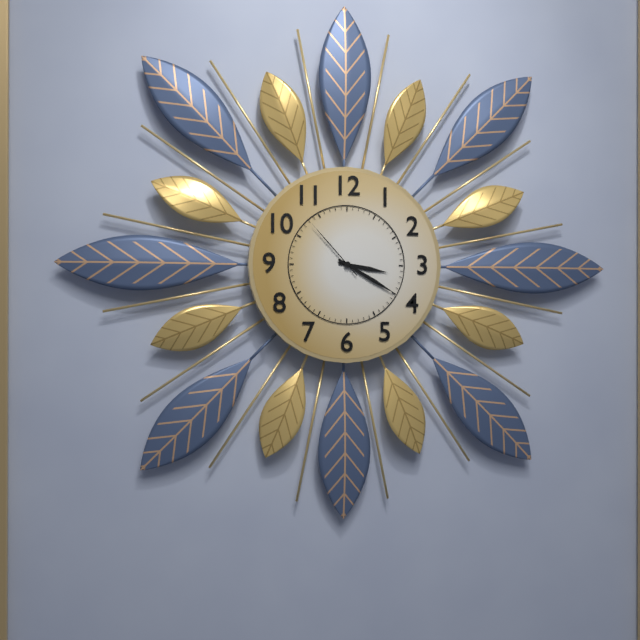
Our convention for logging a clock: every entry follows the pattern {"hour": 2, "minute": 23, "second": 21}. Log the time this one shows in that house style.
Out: {"hour": 3, "minute": 20, "second": 53}
